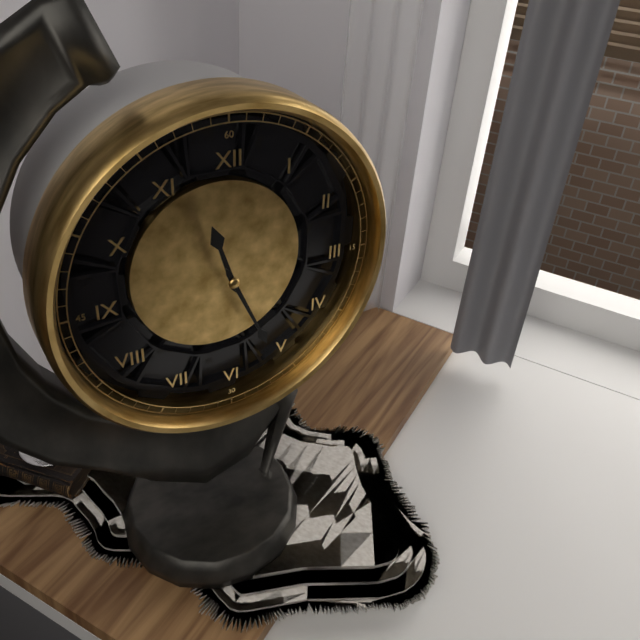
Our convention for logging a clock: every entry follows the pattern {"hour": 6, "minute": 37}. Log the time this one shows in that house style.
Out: {"hour": 11, "minute": 26}
